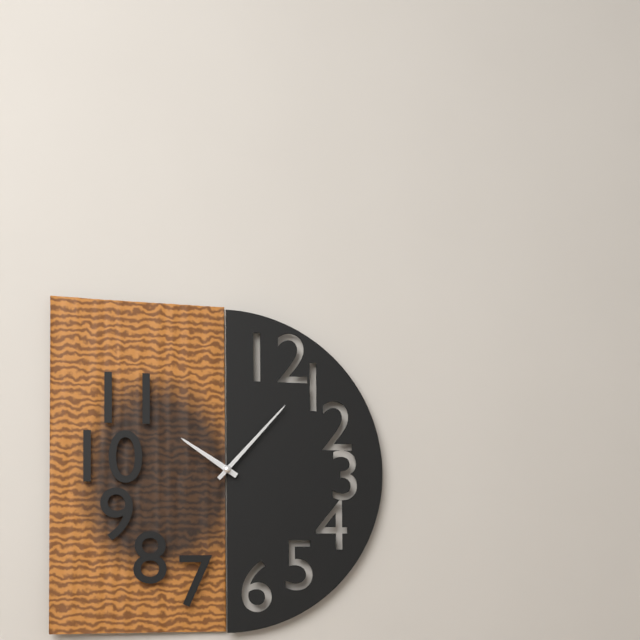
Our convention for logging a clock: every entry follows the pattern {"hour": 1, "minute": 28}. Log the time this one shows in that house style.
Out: {"hour": 10, "minute": 7}
